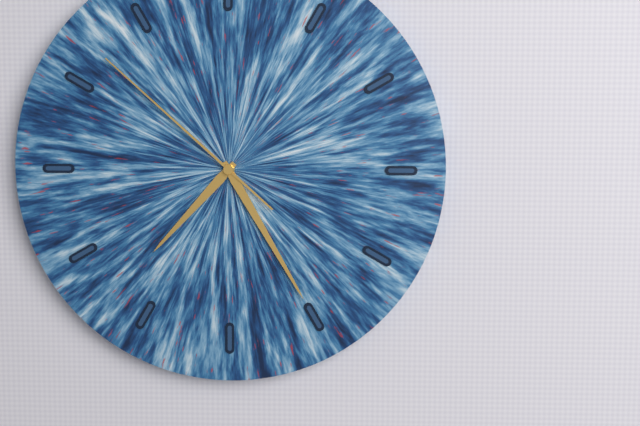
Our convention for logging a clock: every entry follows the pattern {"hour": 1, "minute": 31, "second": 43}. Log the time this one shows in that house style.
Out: {"hour": 7, "minute": 25, "second": 52}
